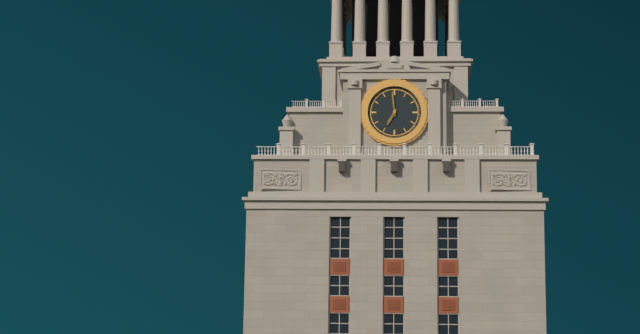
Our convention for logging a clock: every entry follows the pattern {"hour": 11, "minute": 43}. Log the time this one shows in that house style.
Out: {"hour": 6, "minute": 59}
